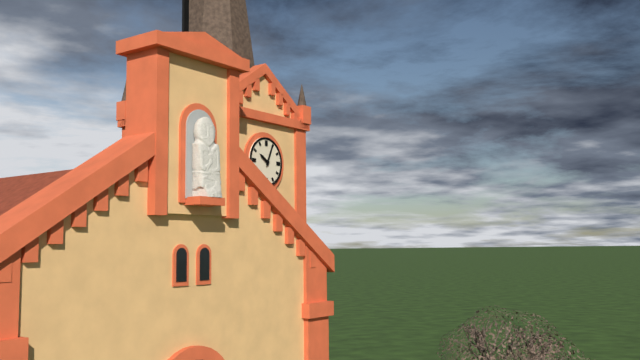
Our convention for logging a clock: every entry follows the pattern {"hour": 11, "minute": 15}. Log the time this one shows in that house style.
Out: {"hour": 10, "minute": 4}
